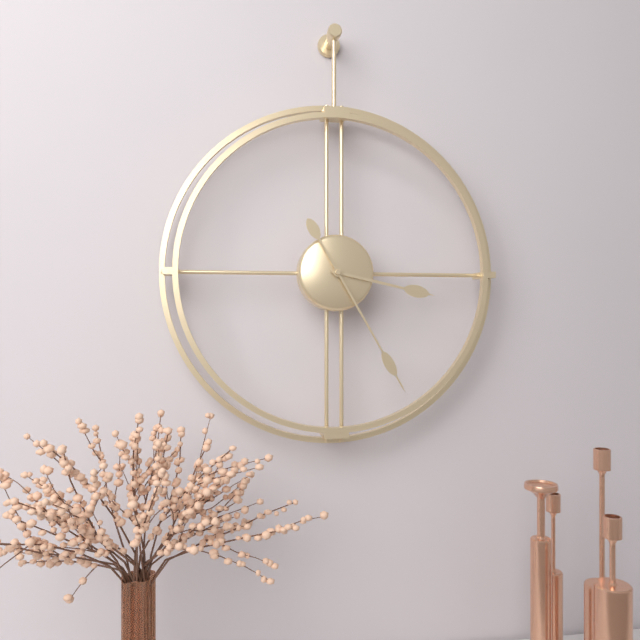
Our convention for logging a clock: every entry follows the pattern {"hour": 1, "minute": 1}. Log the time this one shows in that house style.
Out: {"hour": 3, "minute": 25}
